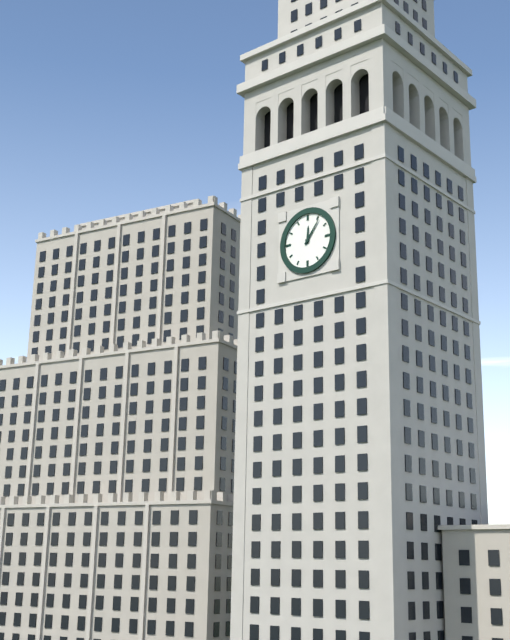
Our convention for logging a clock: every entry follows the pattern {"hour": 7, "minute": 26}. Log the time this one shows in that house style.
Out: {"hour": 12, "minute": 6}
